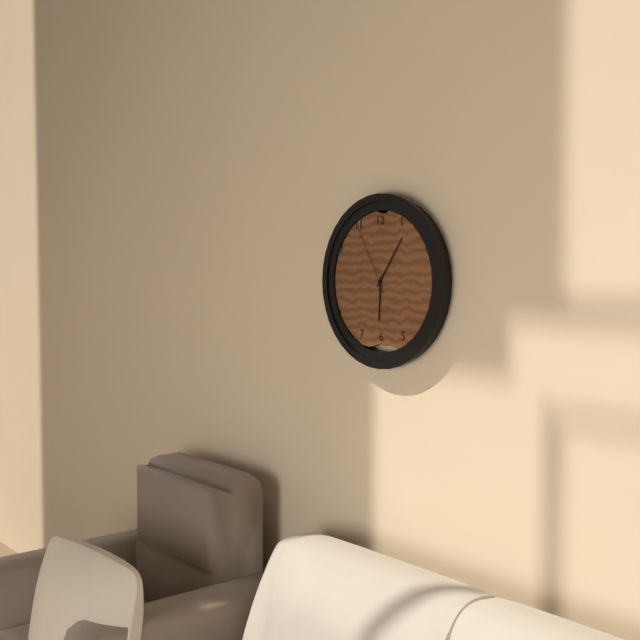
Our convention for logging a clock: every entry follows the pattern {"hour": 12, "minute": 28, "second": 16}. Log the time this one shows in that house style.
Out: {"hour": 6, "minute": 6, "second": 55}
